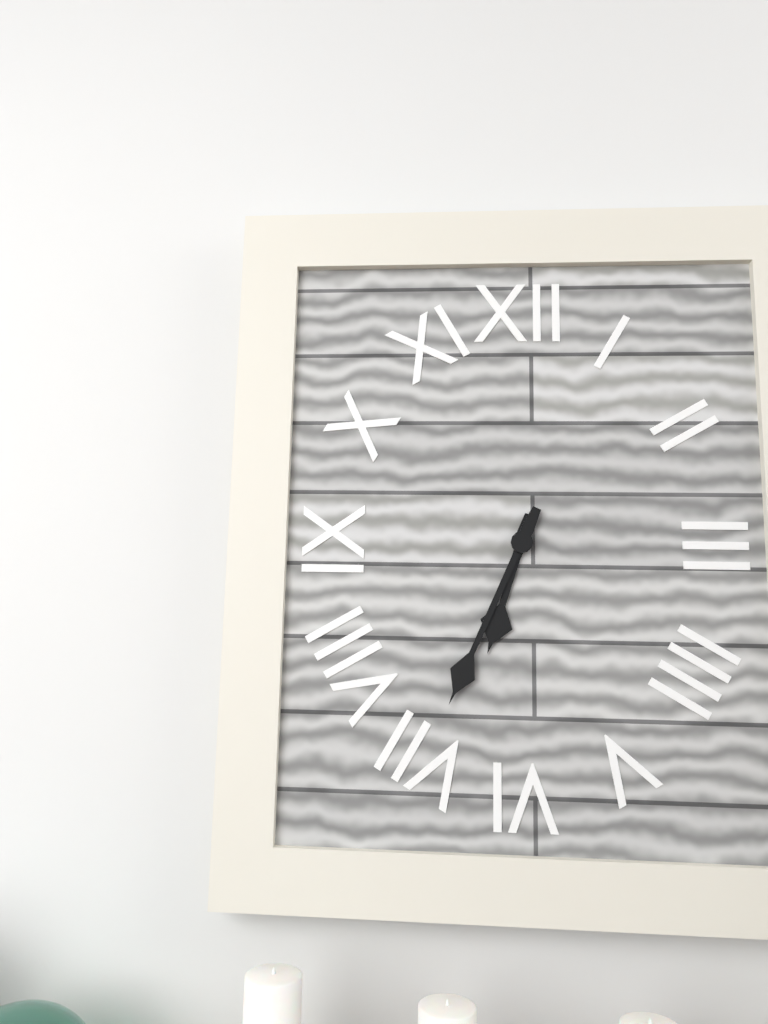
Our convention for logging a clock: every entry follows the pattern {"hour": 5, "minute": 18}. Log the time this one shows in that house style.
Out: {"hour": 6, "minute": 34}
